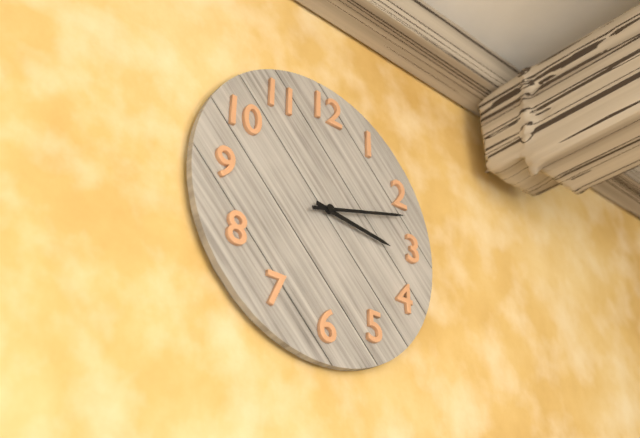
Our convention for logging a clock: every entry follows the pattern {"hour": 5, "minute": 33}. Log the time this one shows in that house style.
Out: {"hour": 3, "minute": 12}
